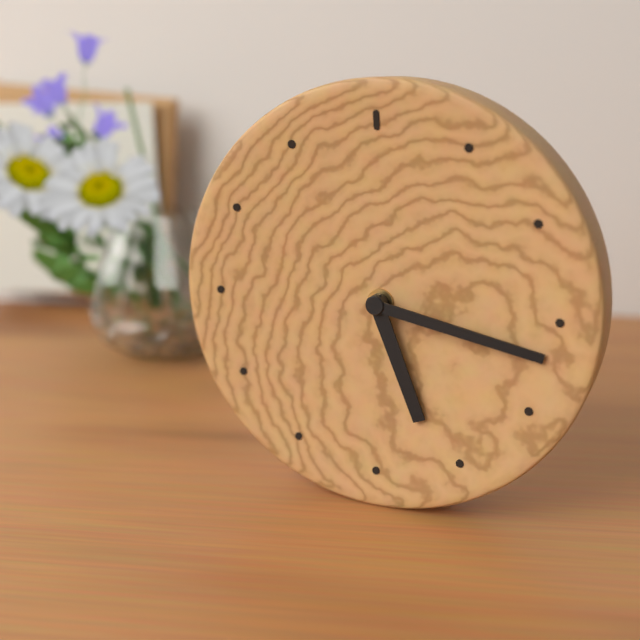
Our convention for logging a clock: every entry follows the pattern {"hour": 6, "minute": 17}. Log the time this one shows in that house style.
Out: {"hour": 5, "minute": 17}
